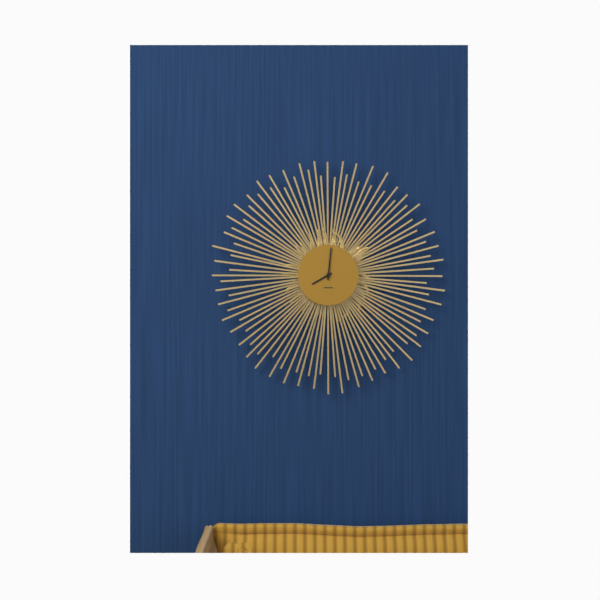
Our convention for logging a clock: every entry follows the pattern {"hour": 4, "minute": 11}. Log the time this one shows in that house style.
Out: {"hour": 8, "minute": 1}
